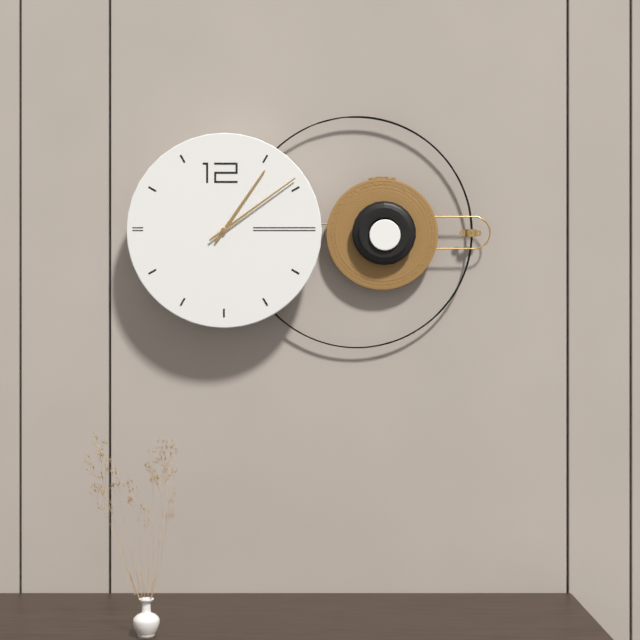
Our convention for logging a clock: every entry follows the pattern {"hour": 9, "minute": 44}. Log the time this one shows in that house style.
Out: {"hour": 1, "minute": 9}
